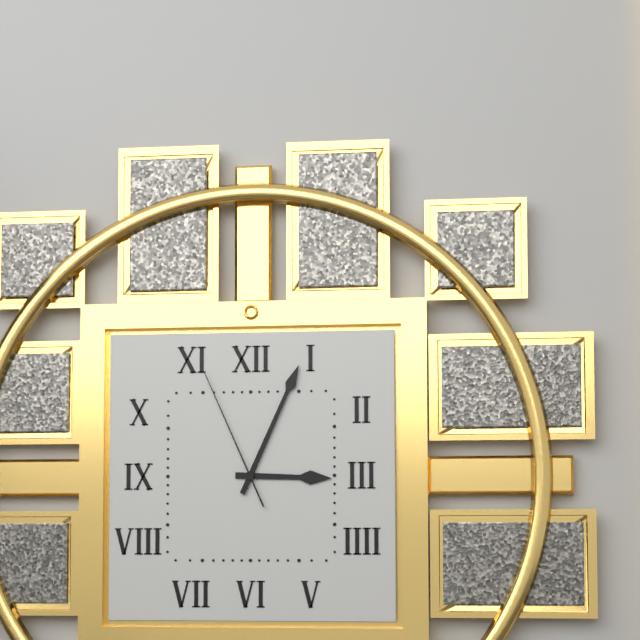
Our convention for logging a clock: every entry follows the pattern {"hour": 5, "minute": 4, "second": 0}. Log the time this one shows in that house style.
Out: {"hour": 3, "minute": 4, "second": 56}
